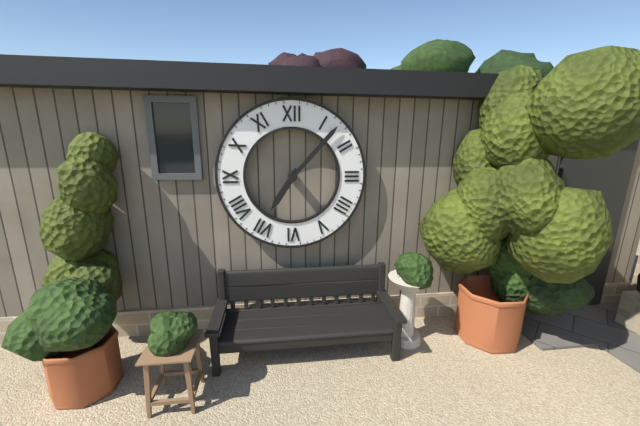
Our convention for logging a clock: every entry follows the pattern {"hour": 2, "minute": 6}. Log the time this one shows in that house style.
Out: {"hour": 7, "minute": 7}
